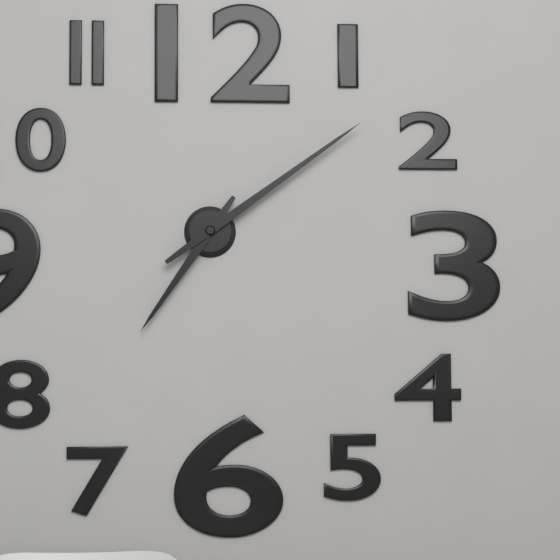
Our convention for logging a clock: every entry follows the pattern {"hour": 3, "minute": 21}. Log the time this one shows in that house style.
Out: {"hour": 7, "minute": 9}
